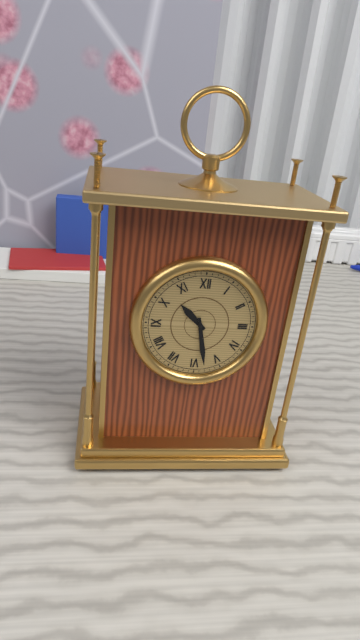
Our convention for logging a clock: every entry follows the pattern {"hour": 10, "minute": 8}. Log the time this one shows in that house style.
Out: {"hour": 10, "minute": 28}
